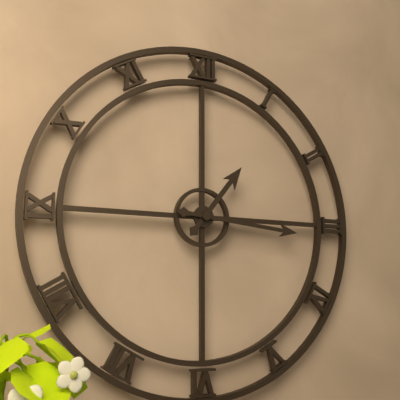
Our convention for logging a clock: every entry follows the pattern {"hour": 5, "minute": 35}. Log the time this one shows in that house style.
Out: {"hour": 1, "minute": 16}
